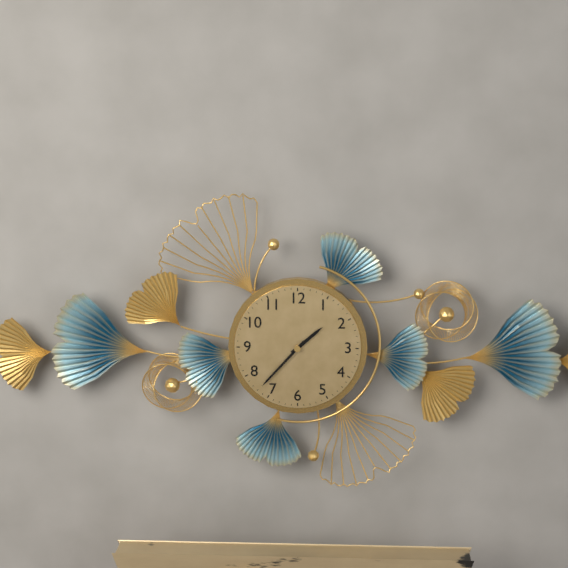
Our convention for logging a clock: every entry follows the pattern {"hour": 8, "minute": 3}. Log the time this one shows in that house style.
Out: {"hour": 1, "minute": 37}
